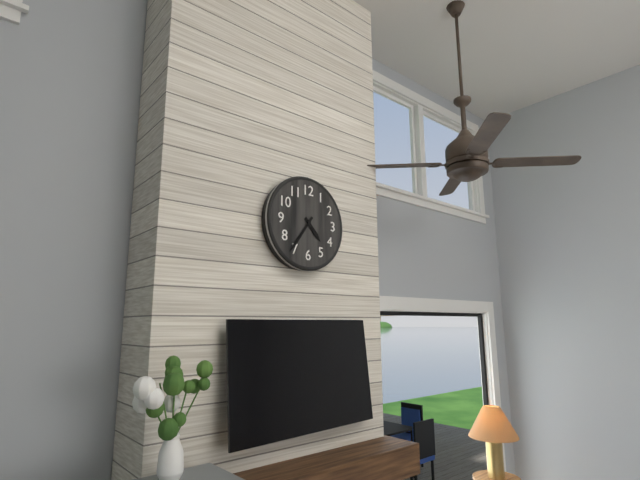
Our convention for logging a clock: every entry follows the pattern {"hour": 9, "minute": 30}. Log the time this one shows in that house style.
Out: {"hour": 4, "minute": 36}
